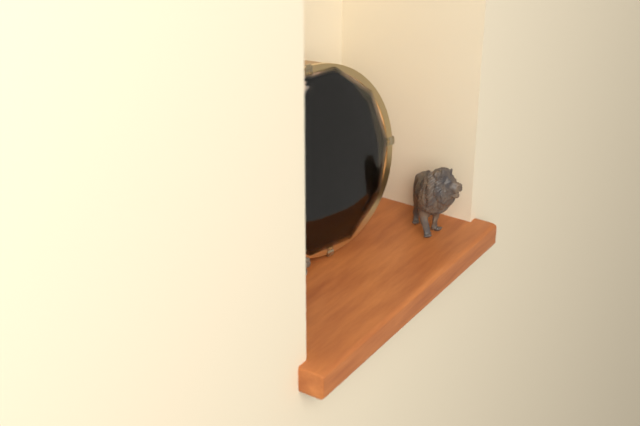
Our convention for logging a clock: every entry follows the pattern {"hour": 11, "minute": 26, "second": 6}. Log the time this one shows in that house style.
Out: {"hour": 1, "minute": 16, "second": 16}
